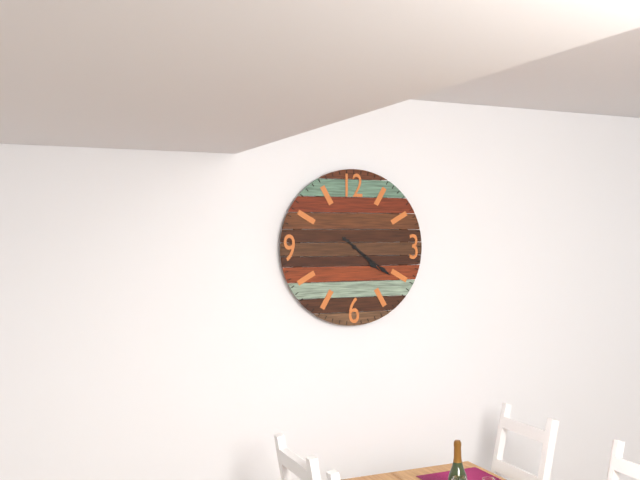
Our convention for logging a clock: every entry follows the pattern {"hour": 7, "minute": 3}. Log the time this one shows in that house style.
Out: {"hour": 4, "minute": 21}
